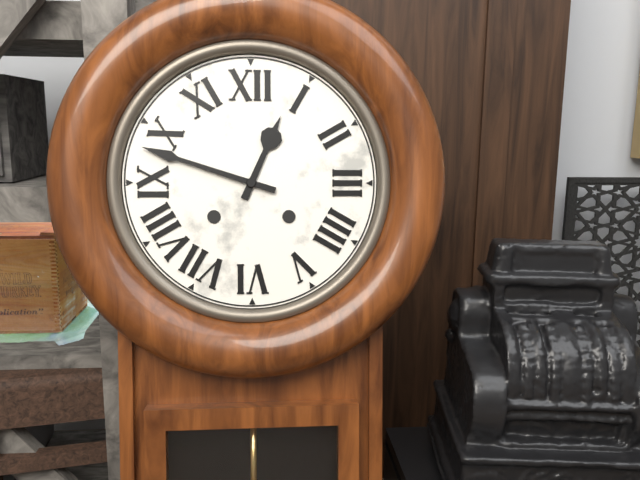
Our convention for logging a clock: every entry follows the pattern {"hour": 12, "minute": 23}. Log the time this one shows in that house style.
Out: {"hour": 12, "minute": 48}
